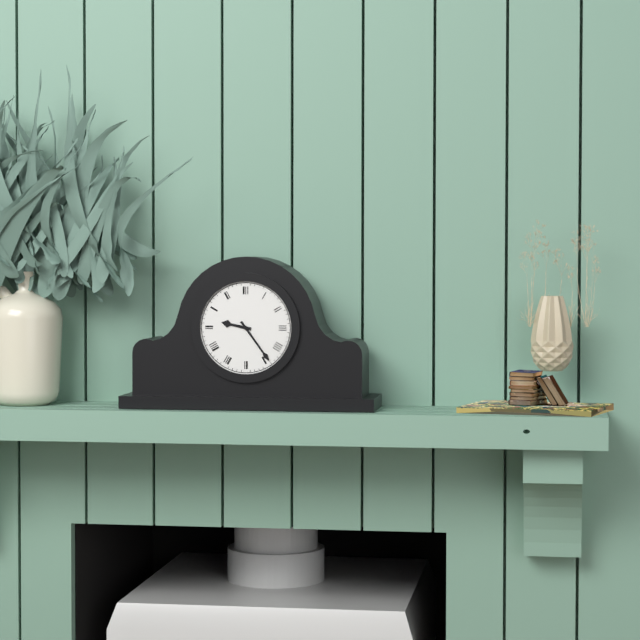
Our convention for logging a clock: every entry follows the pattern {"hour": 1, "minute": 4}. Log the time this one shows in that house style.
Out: {"hour": 9, "minute": 24}
